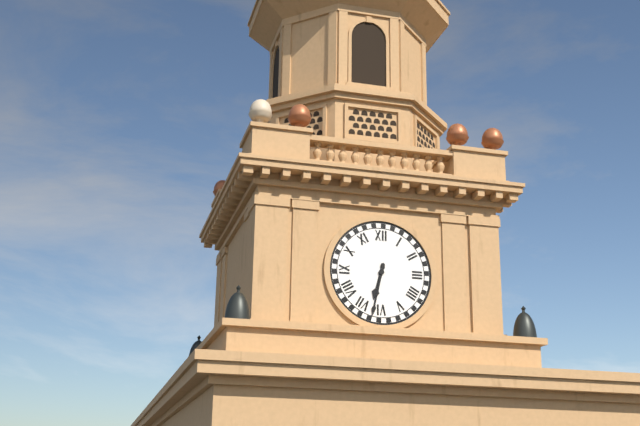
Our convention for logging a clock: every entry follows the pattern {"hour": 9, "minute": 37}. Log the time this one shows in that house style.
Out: {"hour": 6, "minute": 32}
